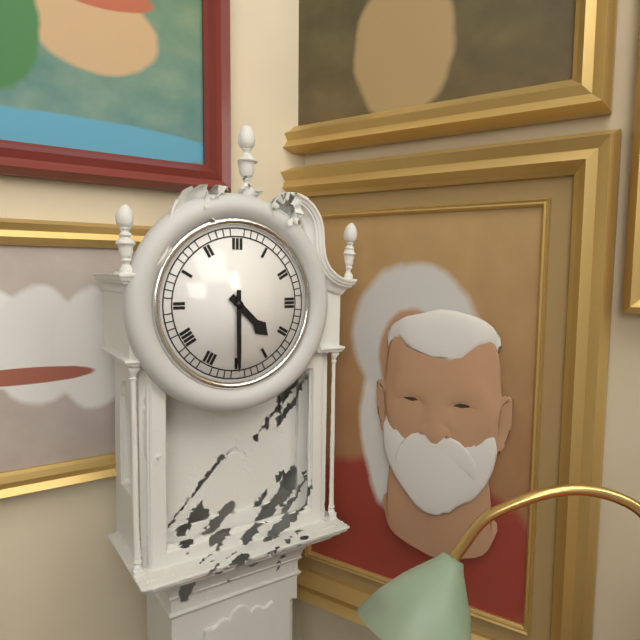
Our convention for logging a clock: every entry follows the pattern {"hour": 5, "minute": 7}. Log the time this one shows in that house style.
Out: {"hour": 4, "minute": 30}
